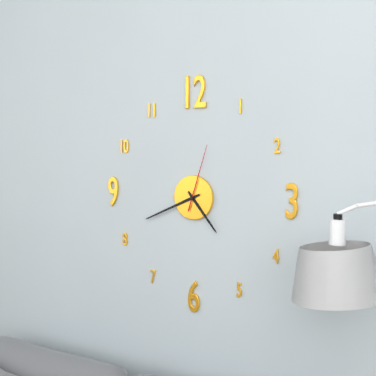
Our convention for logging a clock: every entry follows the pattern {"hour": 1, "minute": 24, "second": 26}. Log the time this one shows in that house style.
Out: {"hour": 4, "minute": 41, "second": 3}
